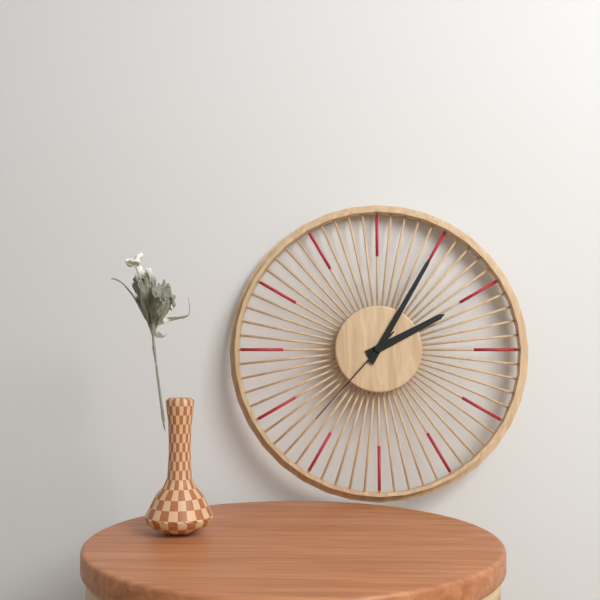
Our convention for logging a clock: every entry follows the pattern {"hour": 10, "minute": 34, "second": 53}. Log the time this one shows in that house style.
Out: {"hour": 2, "minute": 5, "second": 37}
